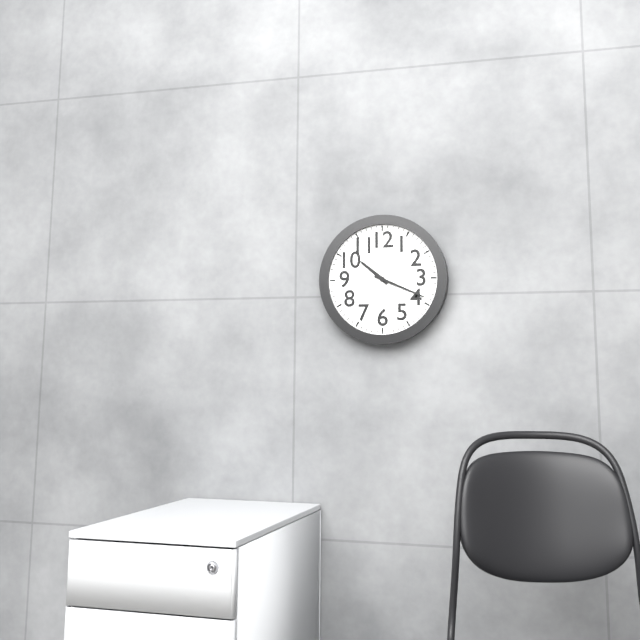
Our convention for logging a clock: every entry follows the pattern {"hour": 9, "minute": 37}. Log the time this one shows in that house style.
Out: {"hour": 10, "minute": 19}
